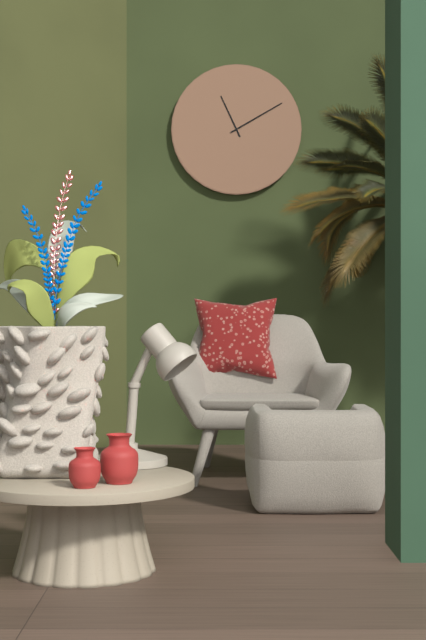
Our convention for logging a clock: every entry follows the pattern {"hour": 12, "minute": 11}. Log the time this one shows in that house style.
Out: {"hour": 11, "minute": 10}
